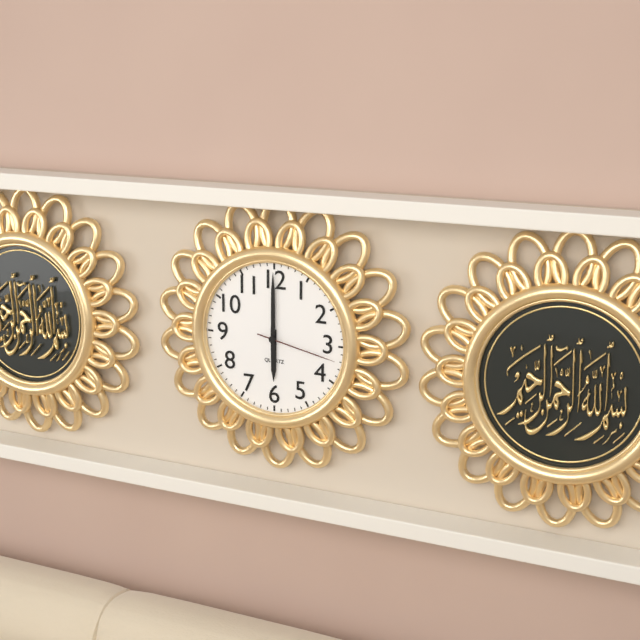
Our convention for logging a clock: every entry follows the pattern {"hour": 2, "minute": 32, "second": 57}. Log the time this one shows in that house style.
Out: {"hour": 6, "minute": 0, "second": 17}
